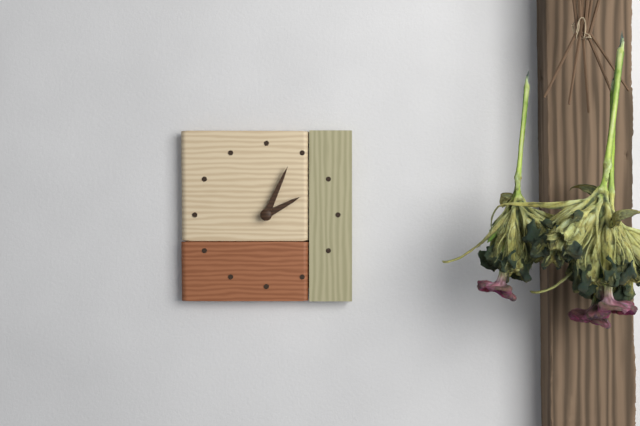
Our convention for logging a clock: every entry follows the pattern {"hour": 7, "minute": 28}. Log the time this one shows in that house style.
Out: {"hour": 2, "minute": 4}
